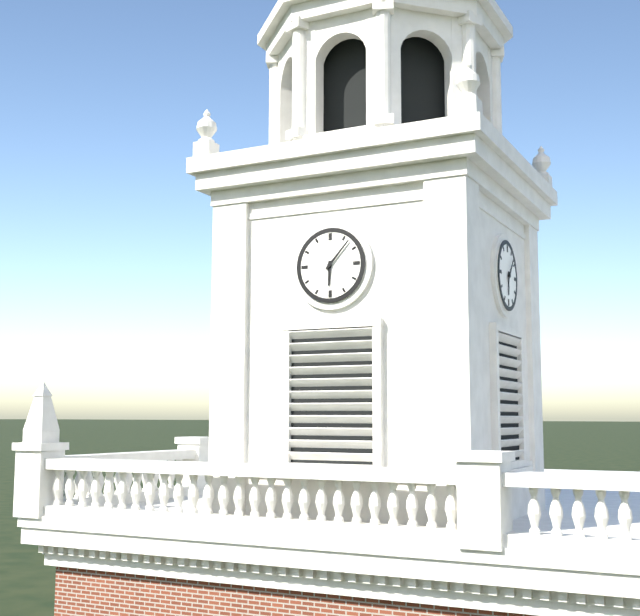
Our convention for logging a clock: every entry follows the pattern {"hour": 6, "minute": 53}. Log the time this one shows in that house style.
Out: {"hour": 6, "minute": 7}
